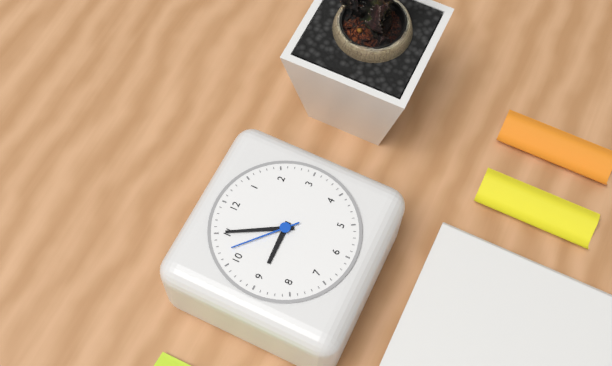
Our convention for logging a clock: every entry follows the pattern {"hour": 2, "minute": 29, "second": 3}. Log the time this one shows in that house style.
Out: {"hour": 8, "minute": 55, "second": 52}
